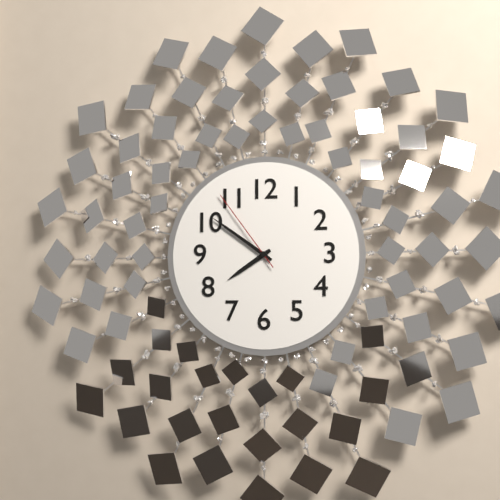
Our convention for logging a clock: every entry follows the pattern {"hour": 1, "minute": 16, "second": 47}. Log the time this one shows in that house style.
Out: {"hour": 7, "minute": 51, "second": 54}
